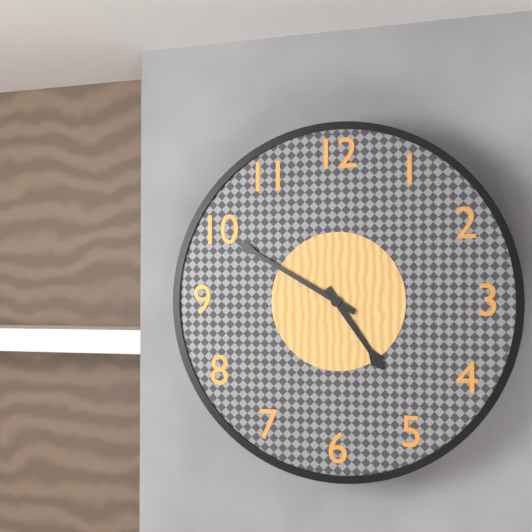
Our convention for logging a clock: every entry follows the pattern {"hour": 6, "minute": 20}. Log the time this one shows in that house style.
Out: {"hour": 4, "minute": 50}
